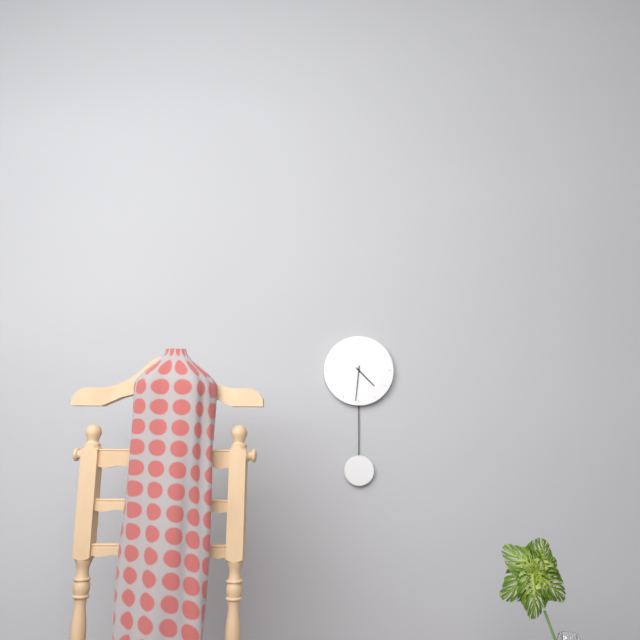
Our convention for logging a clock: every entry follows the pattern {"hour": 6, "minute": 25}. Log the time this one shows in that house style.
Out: {"hour": 4, "minute": 31}
